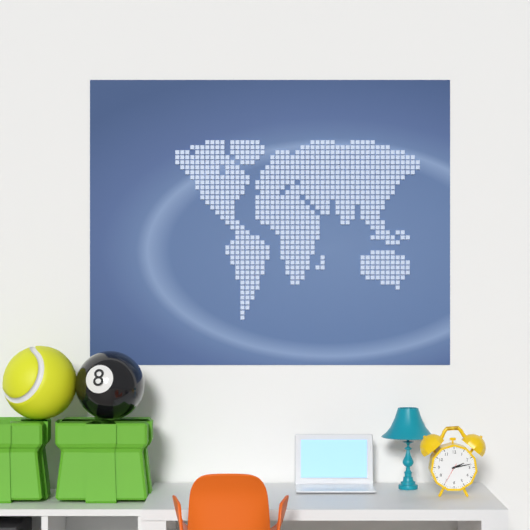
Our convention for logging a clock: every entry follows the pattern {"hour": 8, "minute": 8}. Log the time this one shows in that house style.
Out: {"hour": 2, "minute": 13}
